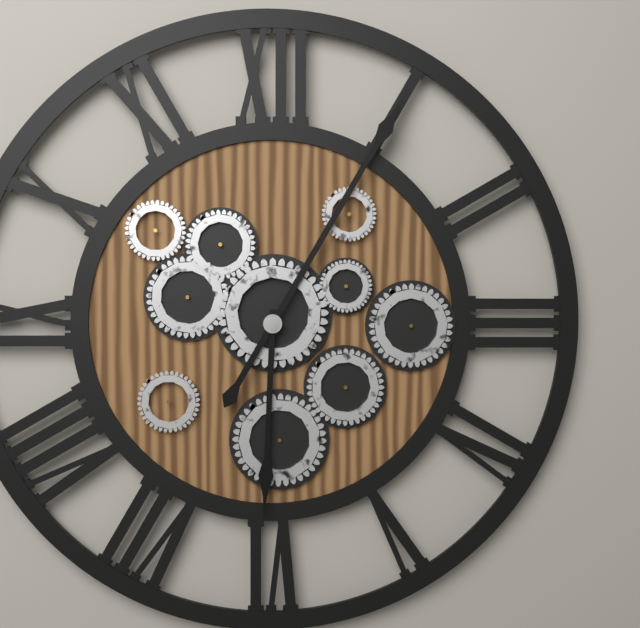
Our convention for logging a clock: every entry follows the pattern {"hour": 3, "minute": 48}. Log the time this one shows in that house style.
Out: {"hour": 6, "minute": 5}
